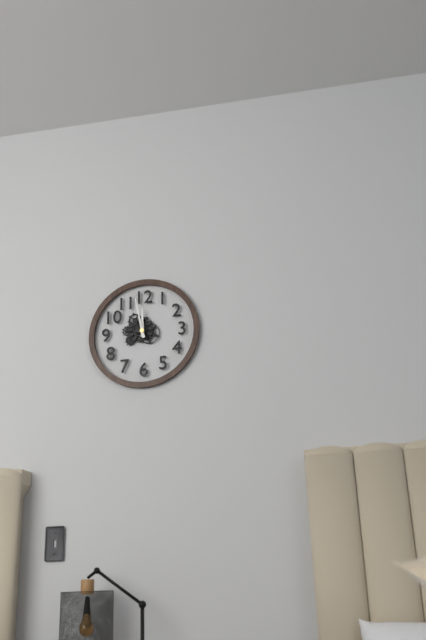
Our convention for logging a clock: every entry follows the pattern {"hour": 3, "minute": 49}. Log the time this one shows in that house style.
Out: {"hour": 11, "minute": 58}
